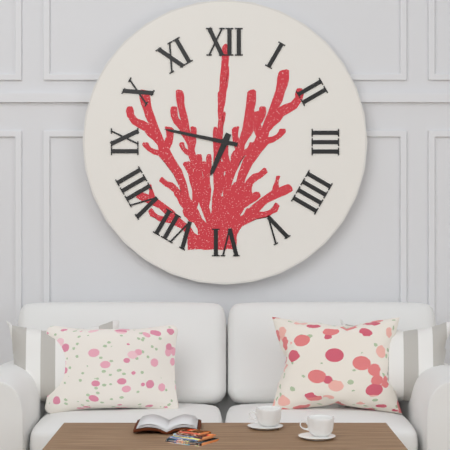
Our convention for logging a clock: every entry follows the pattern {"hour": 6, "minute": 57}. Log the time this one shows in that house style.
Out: {"hour": 6, "minute": 47}
